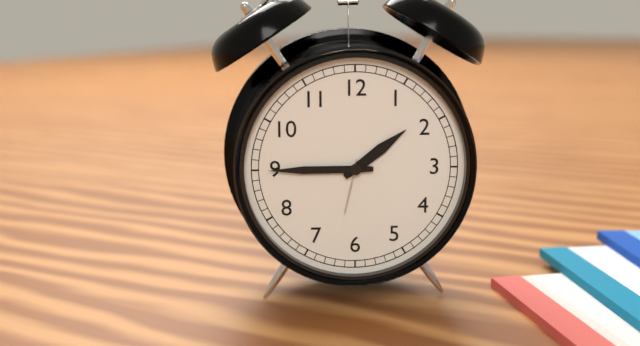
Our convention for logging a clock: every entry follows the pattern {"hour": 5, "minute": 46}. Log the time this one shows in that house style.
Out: {"hour": 1, "minute": 45}
